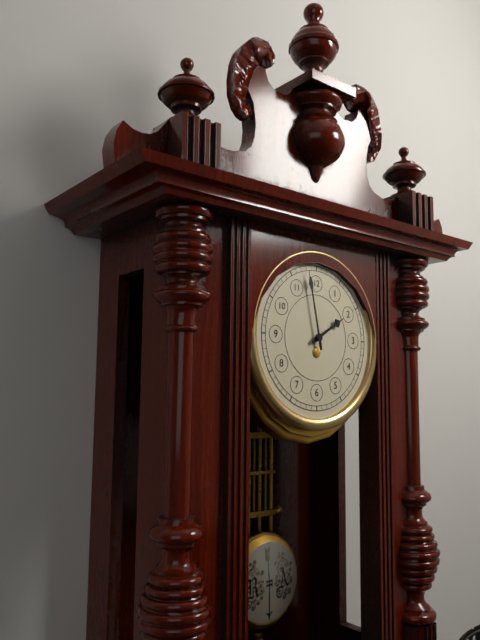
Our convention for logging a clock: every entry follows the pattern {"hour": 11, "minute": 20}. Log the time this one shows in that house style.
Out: {"hour": 1, "minute": 58}
